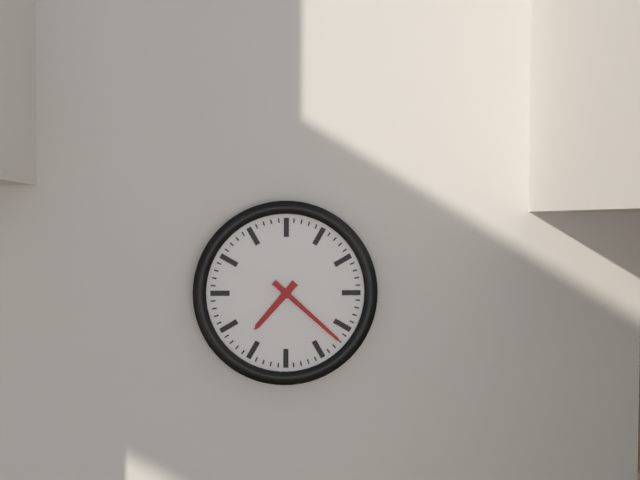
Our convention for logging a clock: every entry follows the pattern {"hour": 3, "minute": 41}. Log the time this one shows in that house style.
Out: {"hour": 7, "minute": 22}
